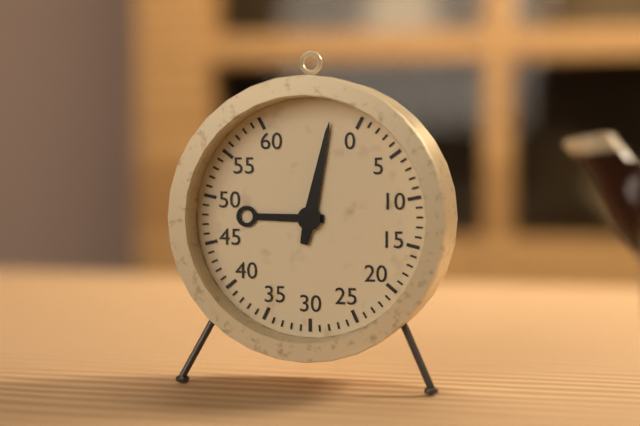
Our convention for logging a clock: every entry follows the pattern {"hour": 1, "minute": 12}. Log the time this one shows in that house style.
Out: {"hour": 9, "minute": 2}
